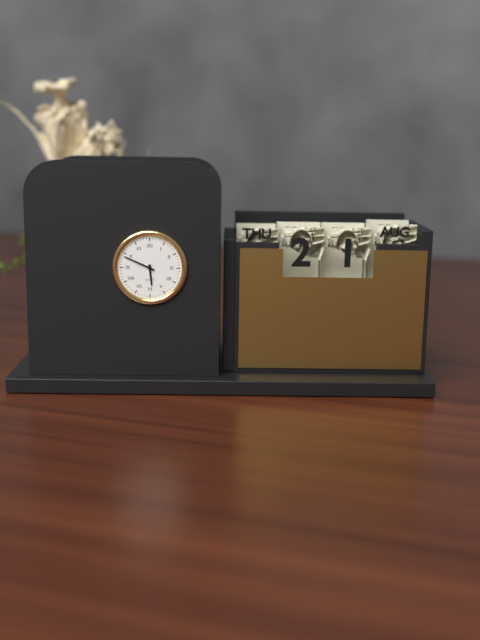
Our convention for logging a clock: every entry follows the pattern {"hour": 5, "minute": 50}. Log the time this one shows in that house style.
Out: {"hour": 5, "minute": 49}
